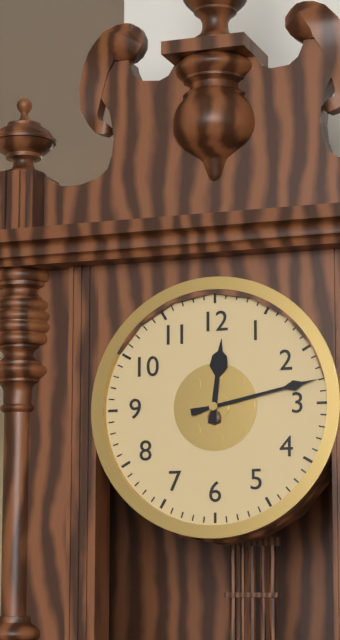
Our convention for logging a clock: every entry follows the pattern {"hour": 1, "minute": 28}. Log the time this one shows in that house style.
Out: {"hour": 12, "minute": 13}
